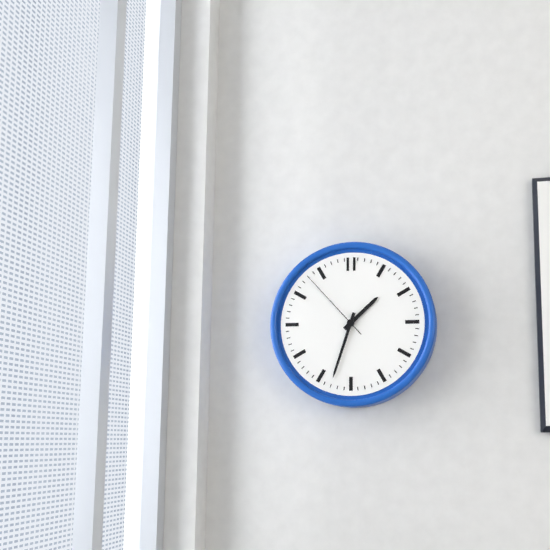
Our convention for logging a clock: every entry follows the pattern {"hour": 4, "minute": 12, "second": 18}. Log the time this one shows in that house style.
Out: {"hour": 1, "minute": 33, "second": 53}
